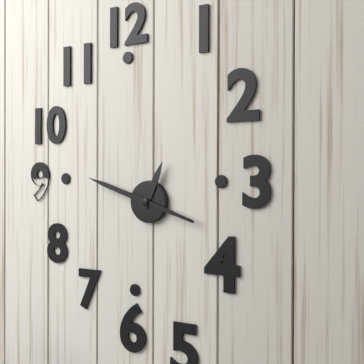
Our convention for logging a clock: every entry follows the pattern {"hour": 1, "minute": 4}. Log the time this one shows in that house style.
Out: {"hour": 12, "minute": 48}
